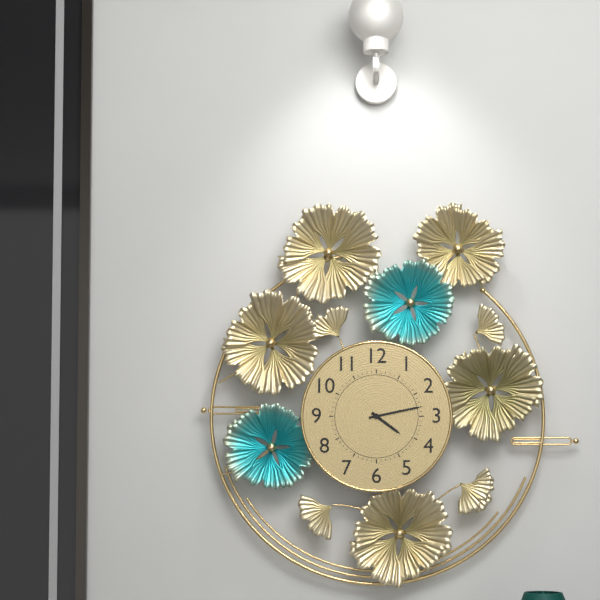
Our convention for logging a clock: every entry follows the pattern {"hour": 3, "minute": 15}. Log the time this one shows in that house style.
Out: {"hour": 4, "minute": 13}
